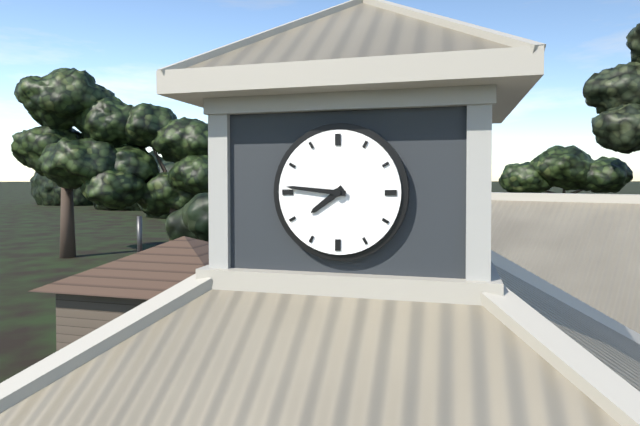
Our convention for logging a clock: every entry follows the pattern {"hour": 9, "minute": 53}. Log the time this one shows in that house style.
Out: {"hour": 7, "minute": 46}
